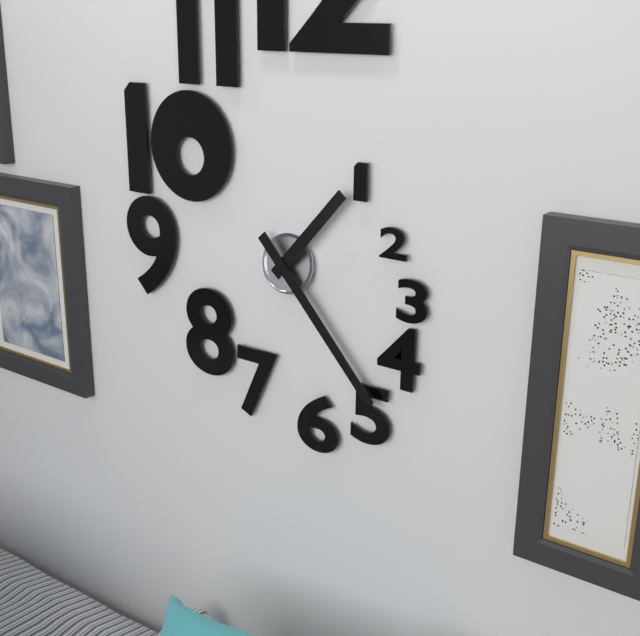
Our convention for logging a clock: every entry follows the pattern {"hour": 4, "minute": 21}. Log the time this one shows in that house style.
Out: {"hour": 1, "minute": 23}
